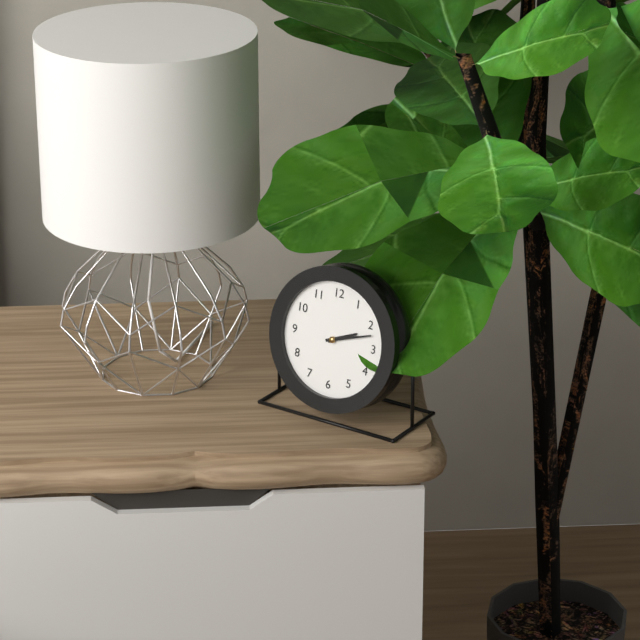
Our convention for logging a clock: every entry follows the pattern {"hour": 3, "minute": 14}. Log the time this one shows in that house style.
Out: {"hour": 2, "minute": 12}
